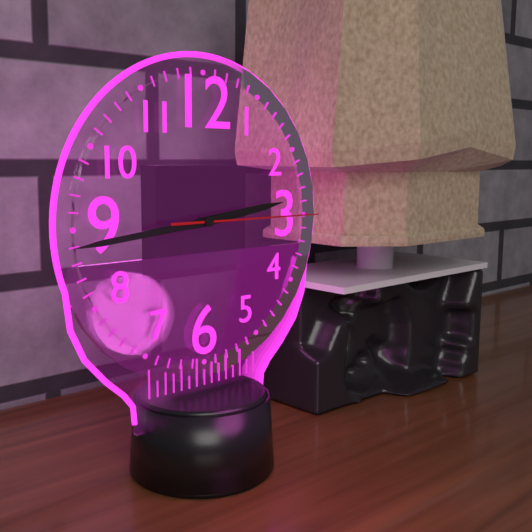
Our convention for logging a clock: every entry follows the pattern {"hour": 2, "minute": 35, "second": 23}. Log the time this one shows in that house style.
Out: {"hour": 2, "minute": 44, "second": 15}
